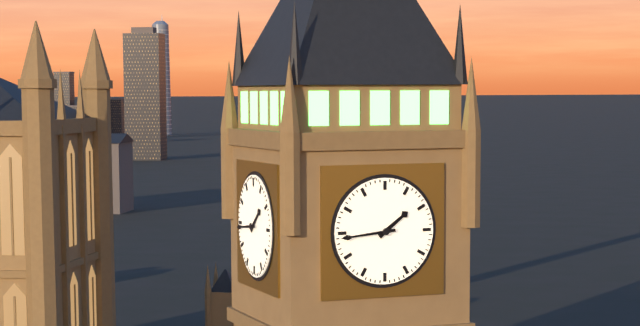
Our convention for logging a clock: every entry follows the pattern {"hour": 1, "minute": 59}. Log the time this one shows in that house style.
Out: {"hour": 1, "minute": 44}
